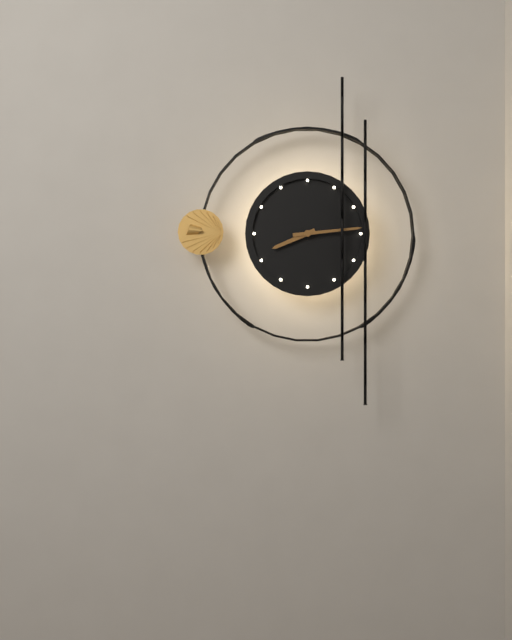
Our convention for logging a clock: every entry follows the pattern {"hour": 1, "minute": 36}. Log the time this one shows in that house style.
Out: {"hour": 8, "minute": 14}
